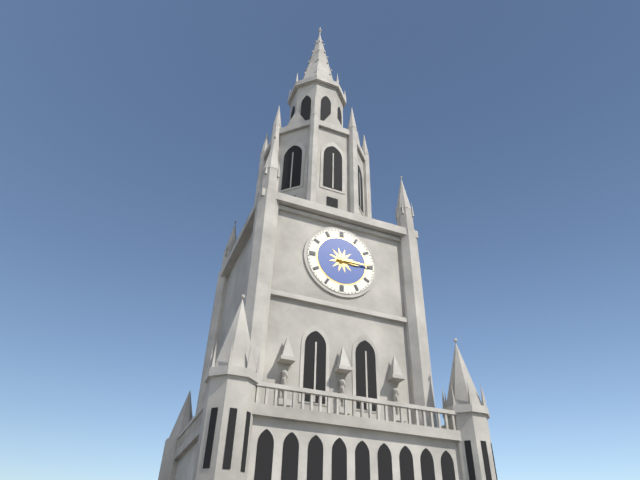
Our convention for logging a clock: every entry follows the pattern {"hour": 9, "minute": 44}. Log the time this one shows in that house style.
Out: {"hour": 3, "minute": 15}
